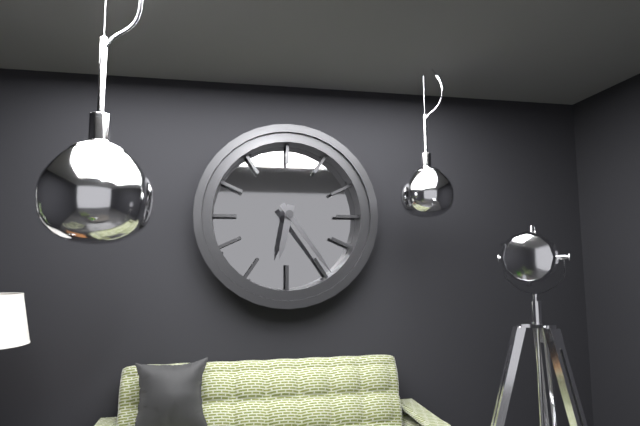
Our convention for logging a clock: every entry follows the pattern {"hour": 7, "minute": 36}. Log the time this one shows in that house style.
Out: {"hour": 6, "minute": 24}
